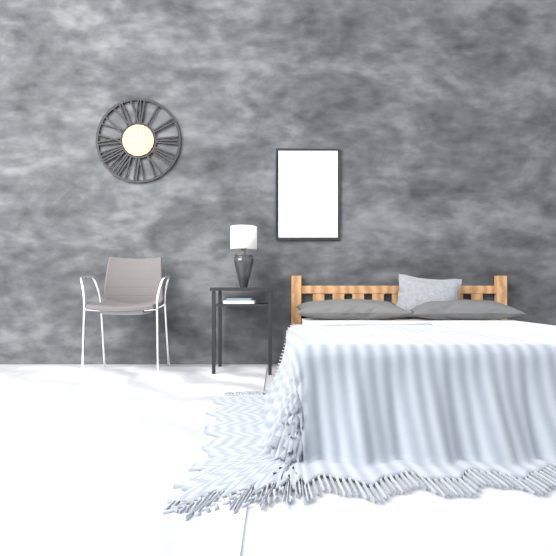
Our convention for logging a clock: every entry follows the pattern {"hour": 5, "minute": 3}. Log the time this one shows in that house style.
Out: {"hour": 12, "minute": 45}
